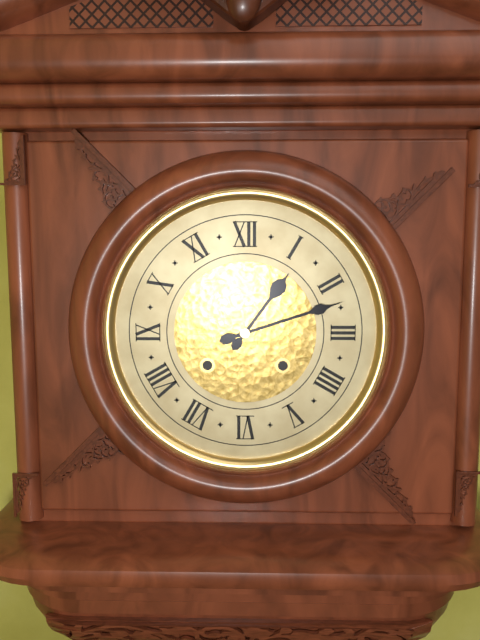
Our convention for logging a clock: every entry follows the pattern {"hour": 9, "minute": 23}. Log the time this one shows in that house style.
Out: {"hour": 1, "minute": 12}
